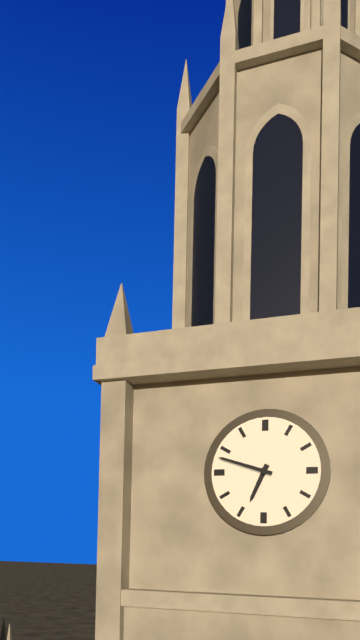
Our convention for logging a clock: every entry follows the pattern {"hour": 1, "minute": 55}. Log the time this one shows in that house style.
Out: {"hour": 6, "minute": 48}
